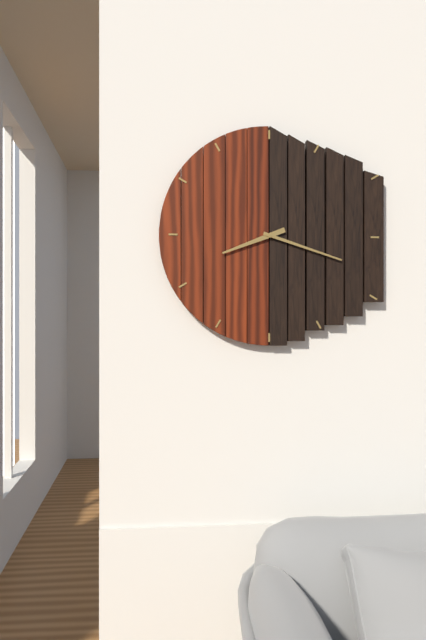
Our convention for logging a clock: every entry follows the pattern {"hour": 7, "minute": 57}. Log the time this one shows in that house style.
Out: {"hour": 8, "minute": 18}
